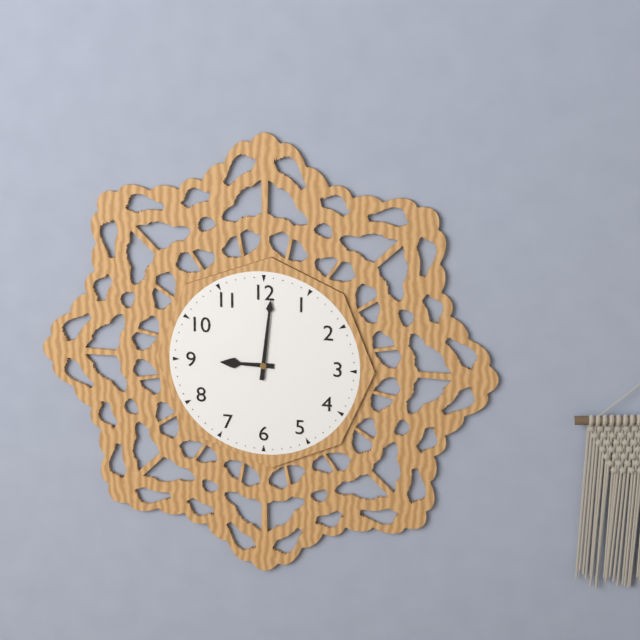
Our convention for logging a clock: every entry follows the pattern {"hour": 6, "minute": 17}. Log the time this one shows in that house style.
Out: {"hour": 9, "minute": 1}
